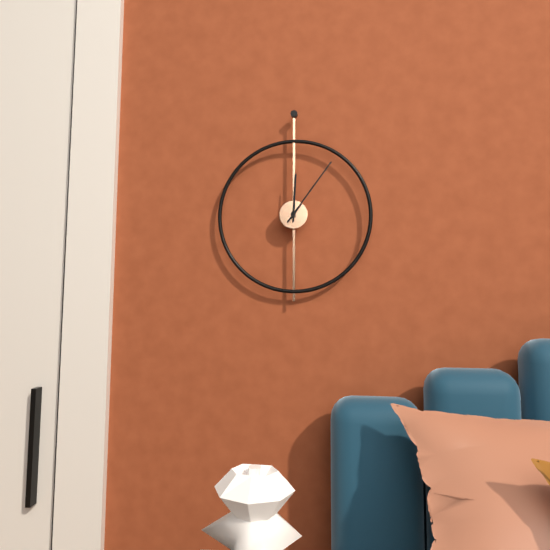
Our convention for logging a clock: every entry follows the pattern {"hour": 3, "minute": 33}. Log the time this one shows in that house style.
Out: {"hour": 12, "minute": 6}
